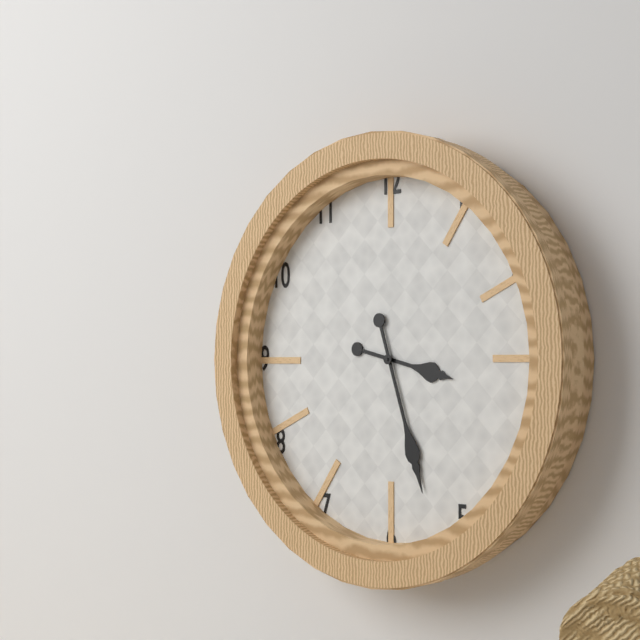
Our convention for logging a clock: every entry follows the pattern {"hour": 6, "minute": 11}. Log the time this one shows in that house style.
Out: {"hour": 3, "minute": 27}
